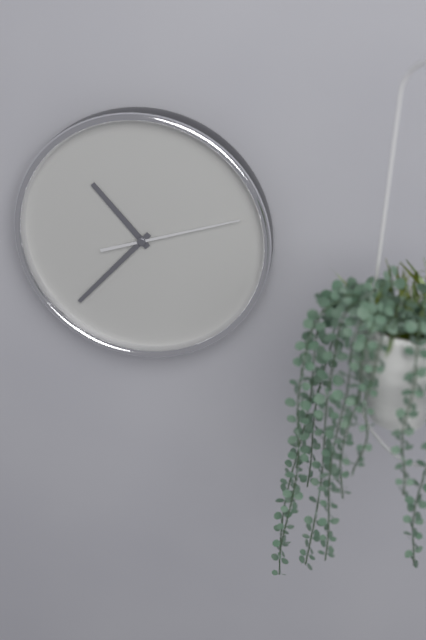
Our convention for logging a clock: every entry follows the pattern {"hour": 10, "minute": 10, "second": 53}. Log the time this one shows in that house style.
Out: {"hour": 10, "minute": 37, "second": 12}
